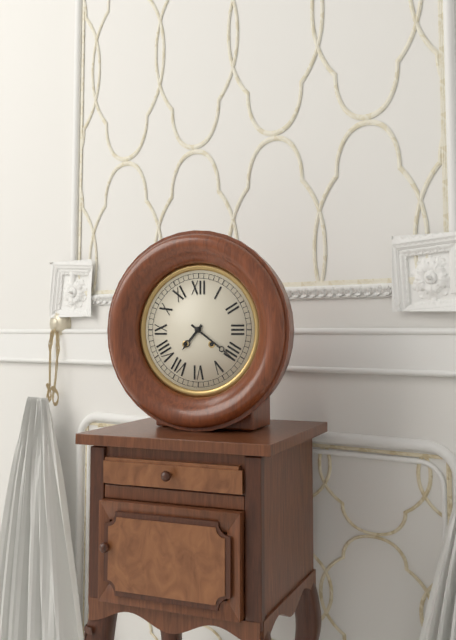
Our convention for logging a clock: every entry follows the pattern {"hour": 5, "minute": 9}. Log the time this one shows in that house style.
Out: {"hour": 7, "minute": 21}
